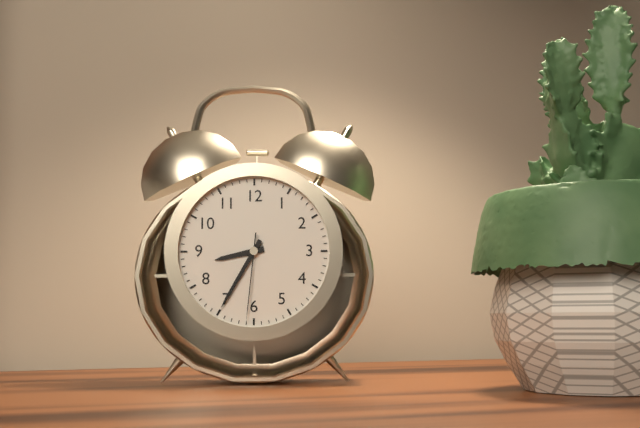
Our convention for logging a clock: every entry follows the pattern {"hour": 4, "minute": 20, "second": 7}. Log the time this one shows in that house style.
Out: {"hour": 8, "minute": 35, "second": 31}
